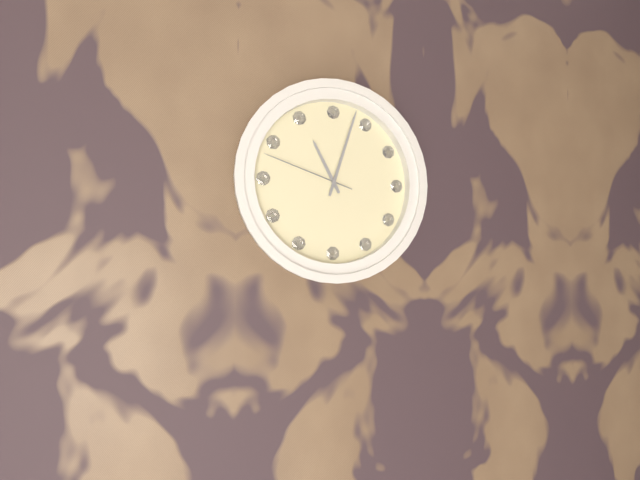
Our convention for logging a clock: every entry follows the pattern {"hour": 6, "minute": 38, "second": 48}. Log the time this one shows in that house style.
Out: {"hour": 11, "minute": 3, "second": 48}
